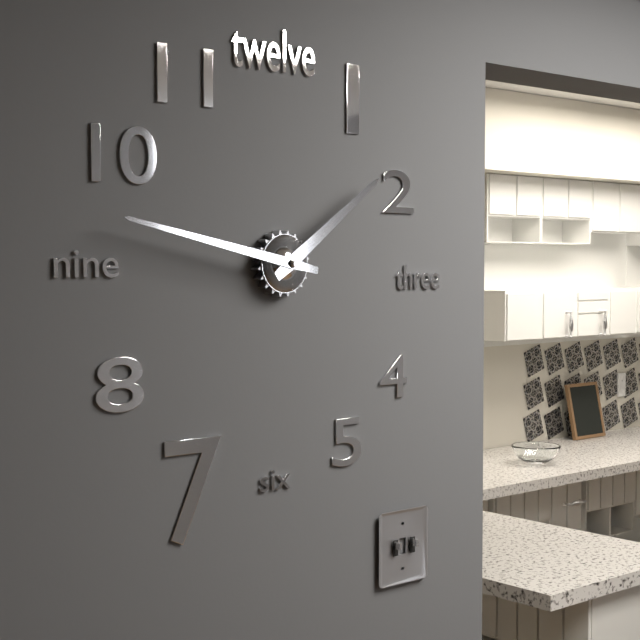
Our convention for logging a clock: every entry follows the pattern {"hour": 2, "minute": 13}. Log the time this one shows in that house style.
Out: {"hour": 1, "minute": 47}
